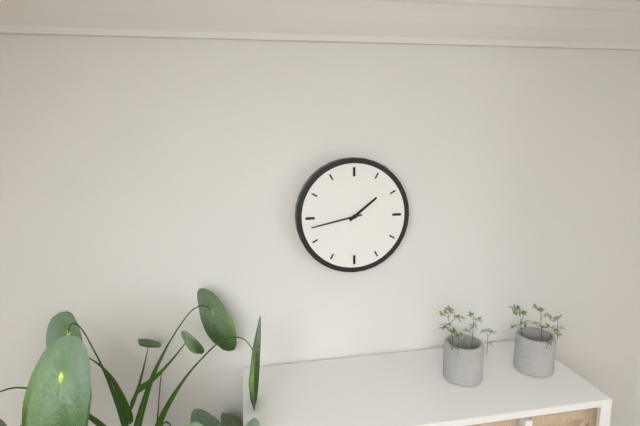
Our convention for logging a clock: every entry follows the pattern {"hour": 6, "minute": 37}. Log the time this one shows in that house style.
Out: {"hour": 1, "minute": 43}
